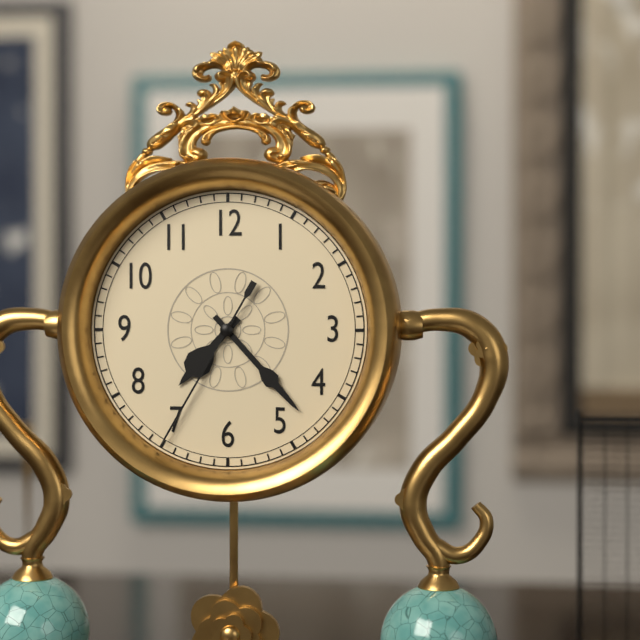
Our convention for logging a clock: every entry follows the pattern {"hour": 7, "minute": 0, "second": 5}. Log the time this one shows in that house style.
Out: {"hour": 7, "minute": 23, "second": 35}
